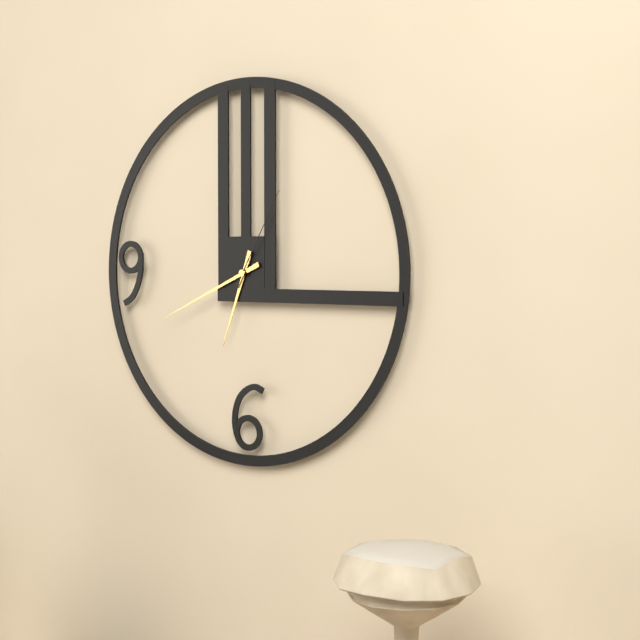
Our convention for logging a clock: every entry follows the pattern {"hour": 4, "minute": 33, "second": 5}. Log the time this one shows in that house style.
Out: {"hour": 6, "minute": 41, "second": 5}
